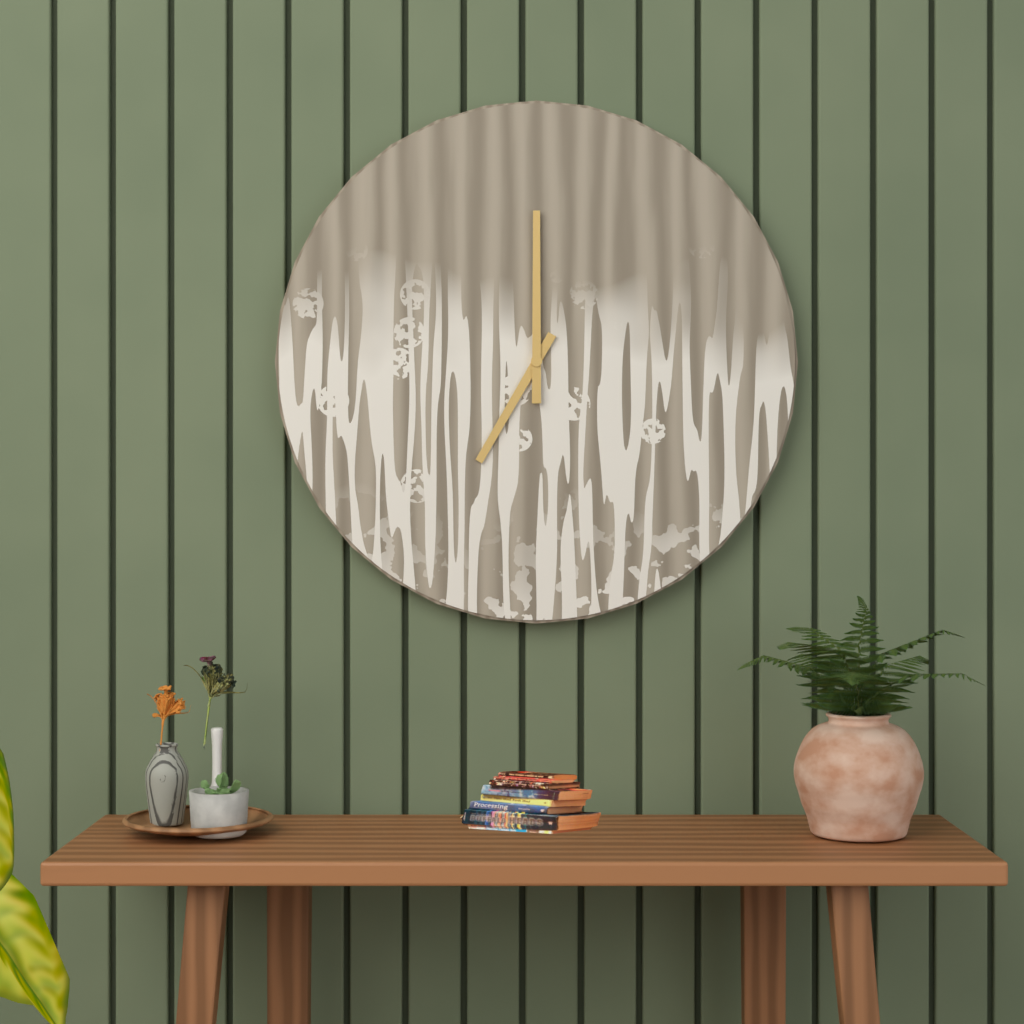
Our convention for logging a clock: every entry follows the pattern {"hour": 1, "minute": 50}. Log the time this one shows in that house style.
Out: {"hour": 7, "minute": 0}
